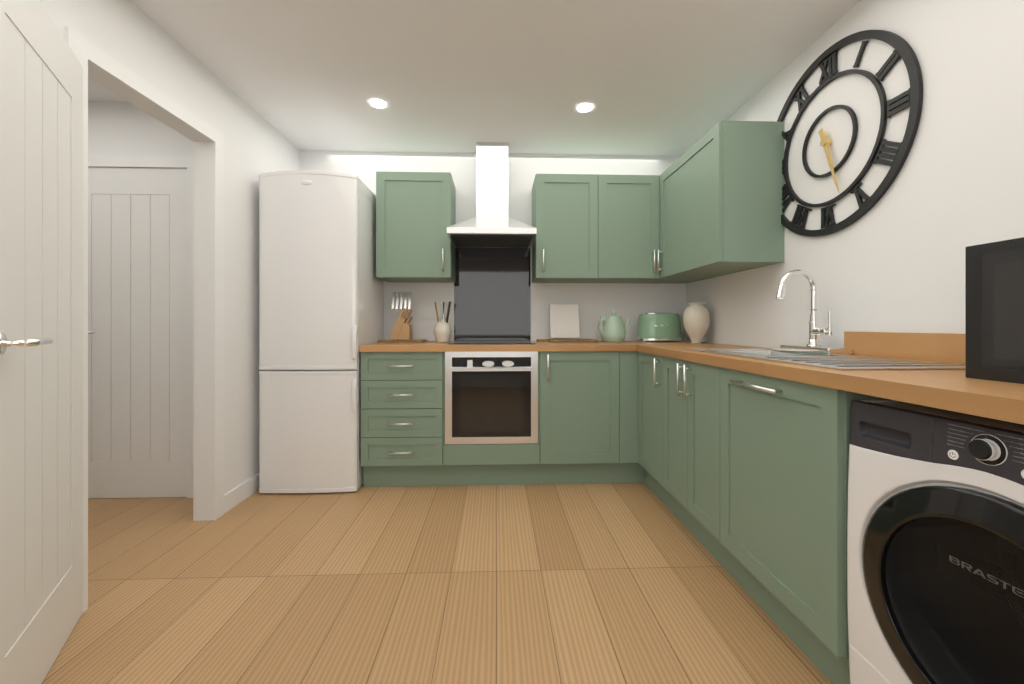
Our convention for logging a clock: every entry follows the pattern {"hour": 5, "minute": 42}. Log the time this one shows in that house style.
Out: {"hour": 5, "minute": 27}
